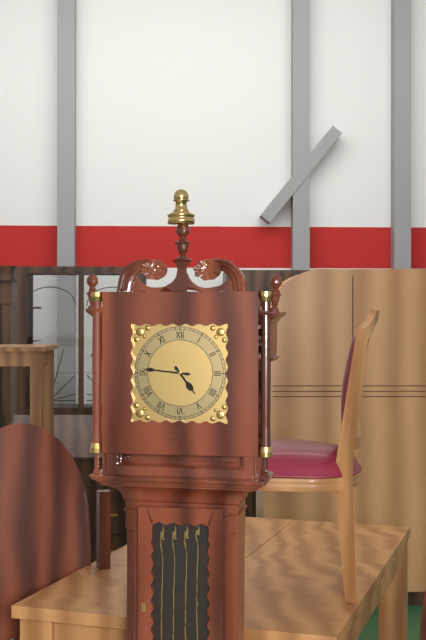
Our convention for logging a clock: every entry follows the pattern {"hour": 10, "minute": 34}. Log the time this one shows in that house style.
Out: {"hour": 4, "minute": 46}
